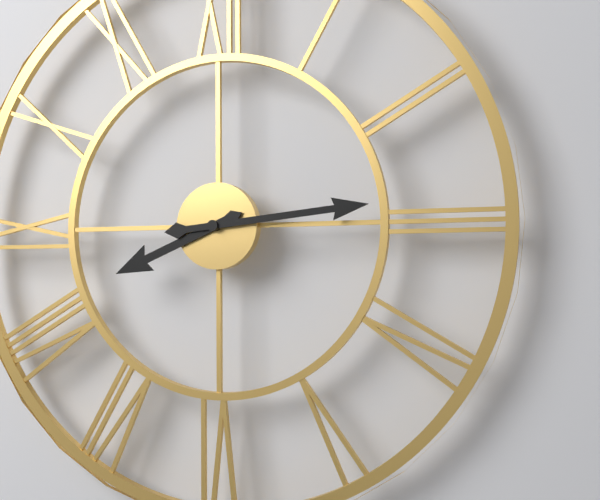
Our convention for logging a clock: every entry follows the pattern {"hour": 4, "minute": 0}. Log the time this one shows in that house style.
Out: {"hour": 8, "minute": 14}
